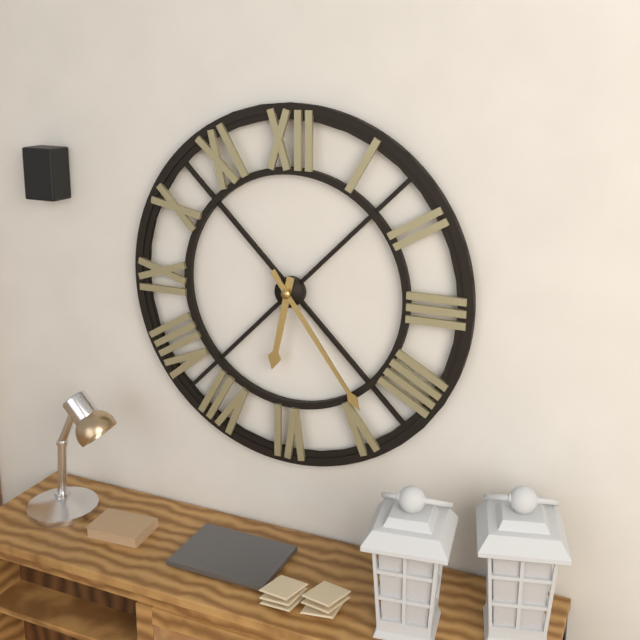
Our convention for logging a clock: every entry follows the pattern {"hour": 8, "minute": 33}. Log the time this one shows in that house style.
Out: {"hour": 6, "minute": 24}
